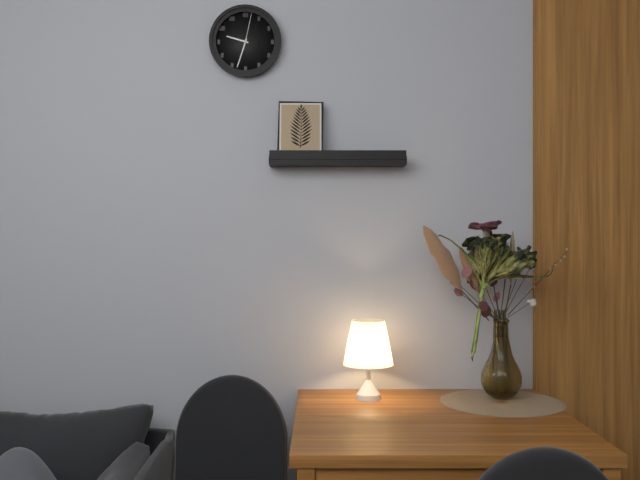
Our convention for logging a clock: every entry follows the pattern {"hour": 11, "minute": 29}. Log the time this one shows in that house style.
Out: {"hour": 9, "minute": 33}
